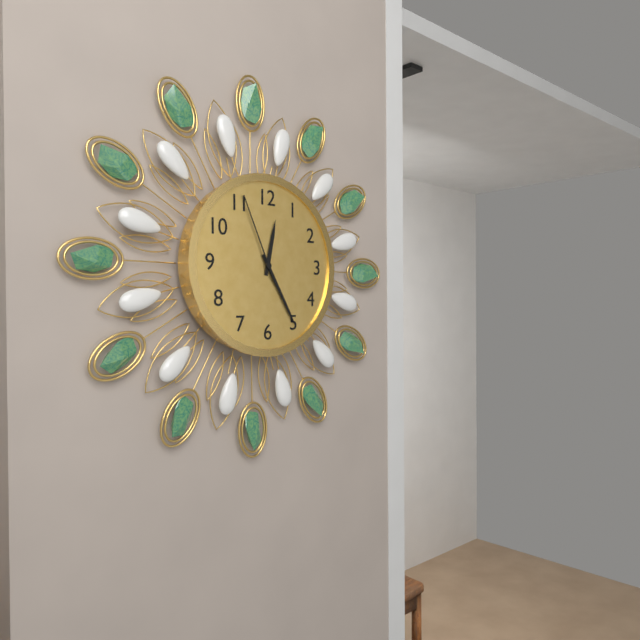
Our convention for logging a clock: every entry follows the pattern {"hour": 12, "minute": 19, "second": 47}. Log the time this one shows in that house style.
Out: {"hour": 12, "minute": 25, "second": 56}
